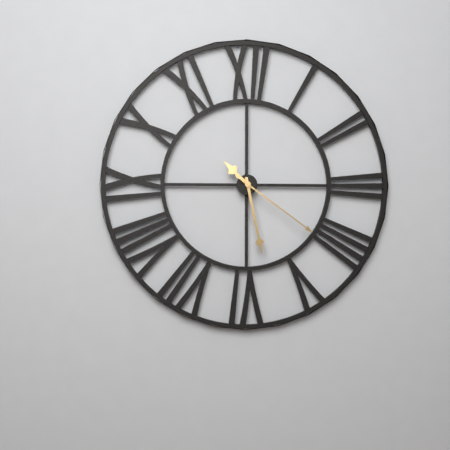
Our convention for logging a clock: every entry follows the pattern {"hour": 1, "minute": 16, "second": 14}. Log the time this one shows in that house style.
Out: {"hour": 10, "minute": 28, "second": 21}
